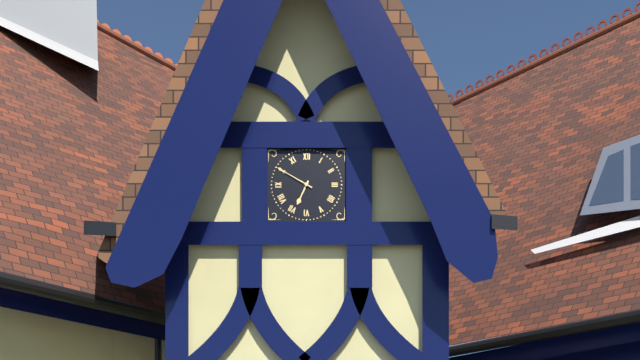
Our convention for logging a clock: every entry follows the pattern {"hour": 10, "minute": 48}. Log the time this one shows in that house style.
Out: {"hour": 6, "minute": 50}
